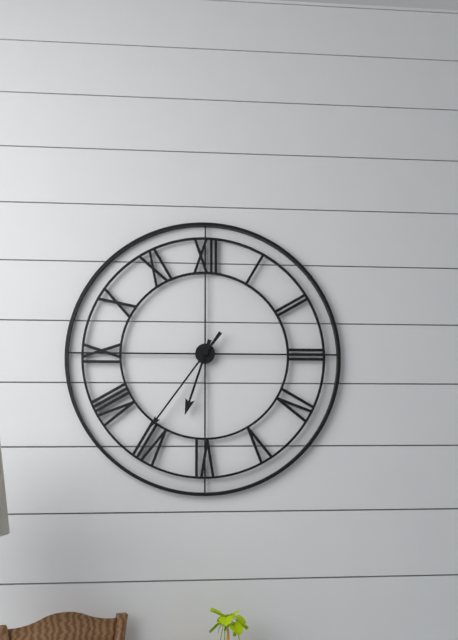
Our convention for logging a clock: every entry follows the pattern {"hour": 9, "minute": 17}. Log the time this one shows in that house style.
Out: {"hour": 6, "minute": 36}
